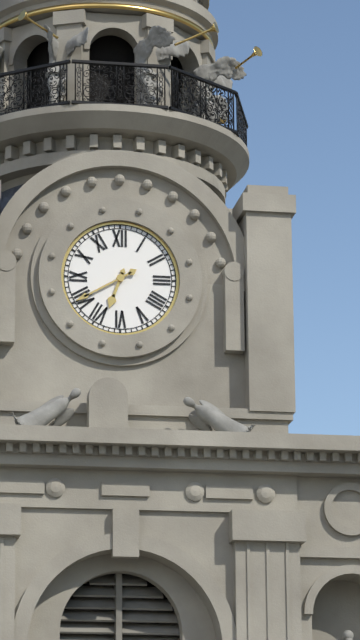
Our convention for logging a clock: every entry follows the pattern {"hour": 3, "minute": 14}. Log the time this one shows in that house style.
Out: {"hour": 6, "minute": 40}
